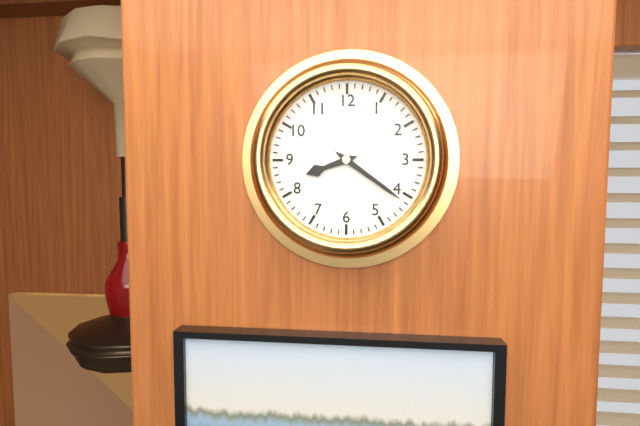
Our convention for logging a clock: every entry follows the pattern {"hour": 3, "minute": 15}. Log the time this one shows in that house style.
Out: {"hour": 8, "minute": 21}
